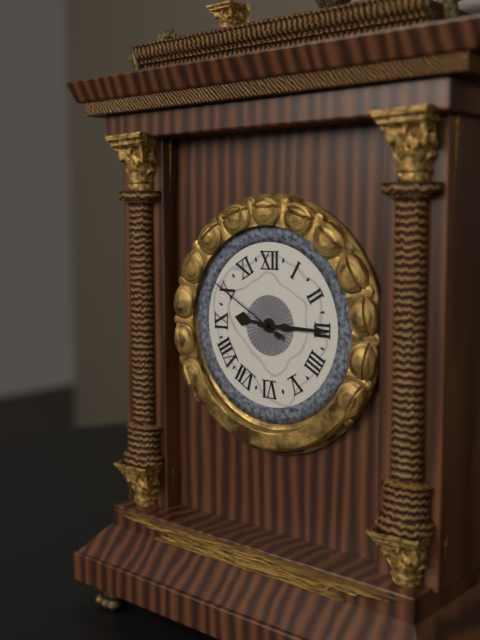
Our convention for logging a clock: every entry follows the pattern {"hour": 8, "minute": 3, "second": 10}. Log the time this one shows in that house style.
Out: {"hour": 9, "minute": 15, "second": 50}
